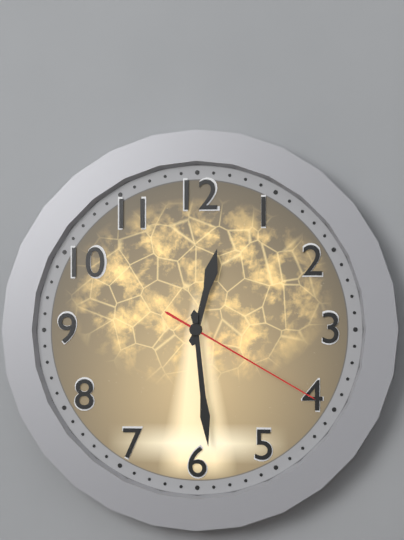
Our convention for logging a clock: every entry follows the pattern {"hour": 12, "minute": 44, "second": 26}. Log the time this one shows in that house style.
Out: {"hour": 12, "minute": 29, "second": 20}
